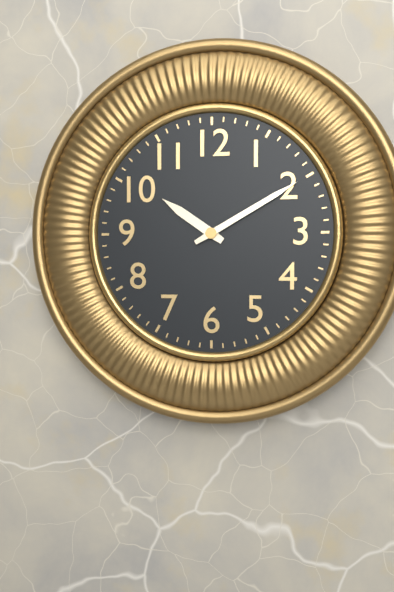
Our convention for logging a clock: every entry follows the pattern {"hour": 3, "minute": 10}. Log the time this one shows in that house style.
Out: {"hour": 10, "minute": 10}
